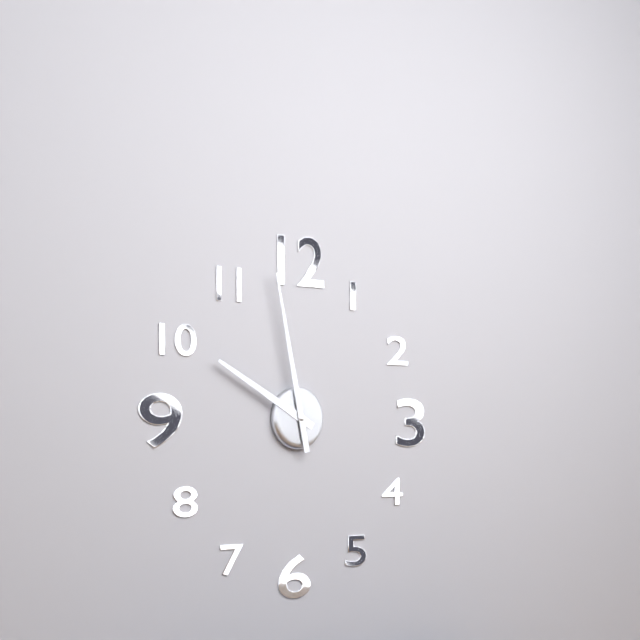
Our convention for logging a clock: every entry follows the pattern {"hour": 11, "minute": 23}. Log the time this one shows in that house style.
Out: {"hour": 9, "minute": 58}
